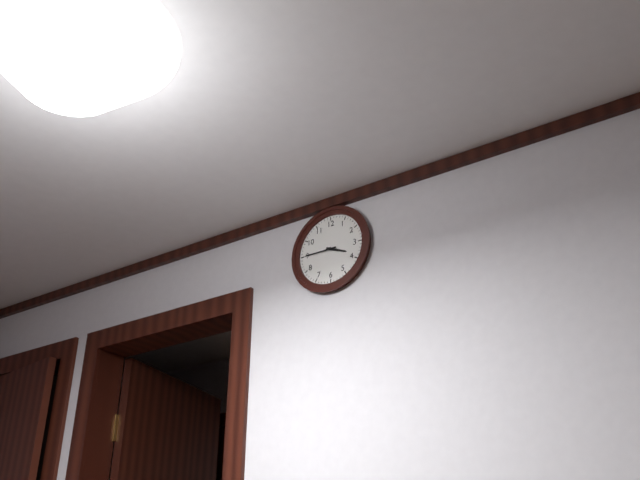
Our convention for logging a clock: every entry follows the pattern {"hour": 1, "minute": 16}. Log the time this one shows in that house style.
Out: {"hour": 3, "minute": 45}
